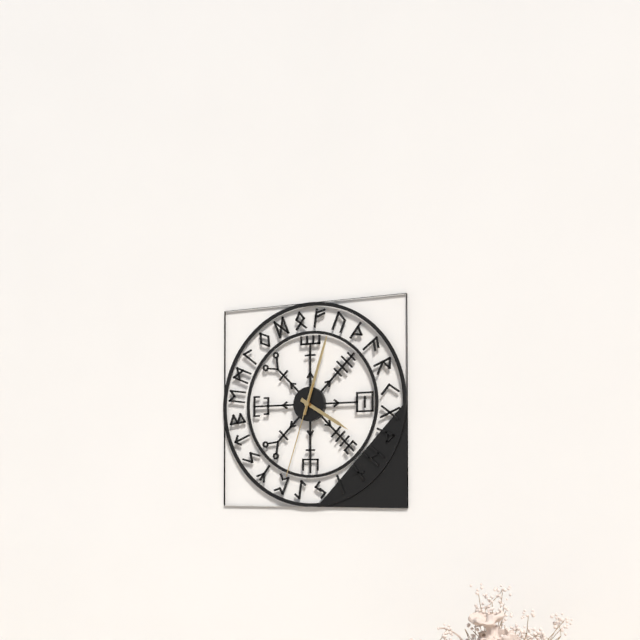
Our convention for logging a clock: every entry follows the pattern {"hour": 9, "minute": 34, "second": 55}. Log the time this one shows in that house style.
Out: {"hour": 4, "minute": 3, "second": 33}
